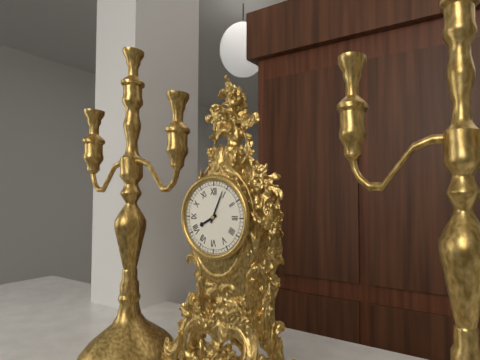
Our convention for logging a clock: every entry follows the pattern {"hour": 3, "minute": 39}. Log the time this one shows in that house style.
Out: {"hour": 8, "minute": 4}
